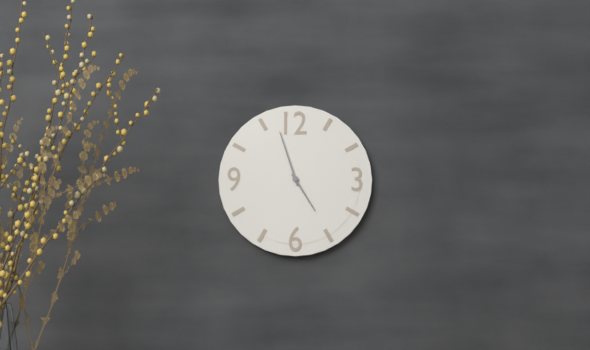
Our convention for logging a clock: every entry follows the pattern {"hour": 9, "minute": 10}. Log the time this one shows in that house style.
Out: {"hour": 4, "minute": 57}
